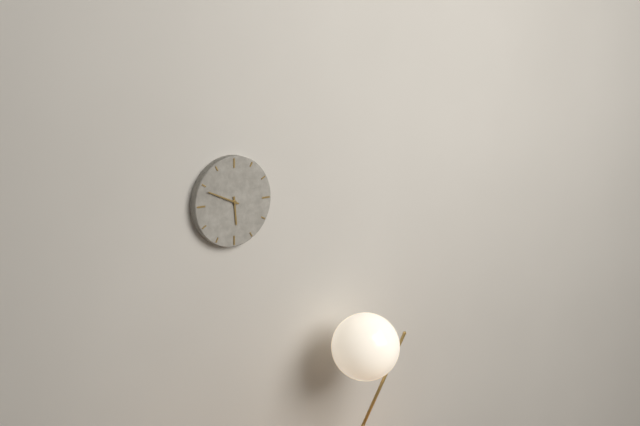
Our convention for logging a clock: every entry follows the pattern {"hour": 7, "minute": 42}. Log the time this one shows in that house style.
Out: {"hour": 5, "minute": 49}
